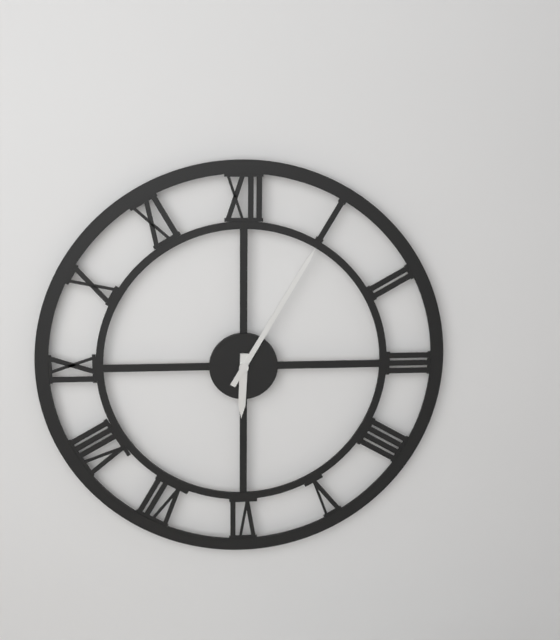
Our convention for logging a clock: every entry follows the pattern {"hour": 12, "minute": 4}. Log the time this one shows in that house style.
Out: {"hour": 6, "minute": 5}
